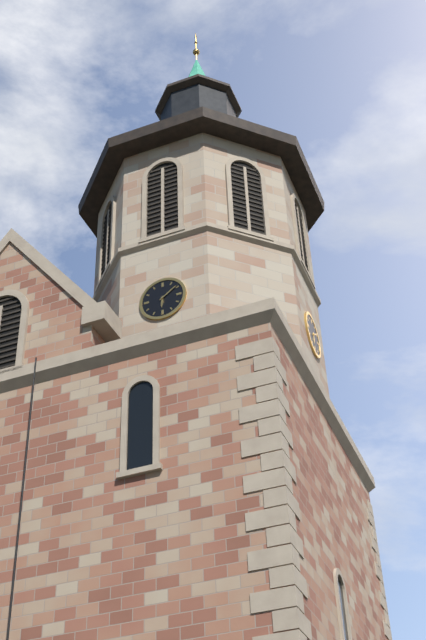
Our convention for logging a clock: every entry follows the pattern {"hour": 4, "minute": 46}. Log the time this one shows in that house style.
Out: {"hour": 6, "minute": 9}
